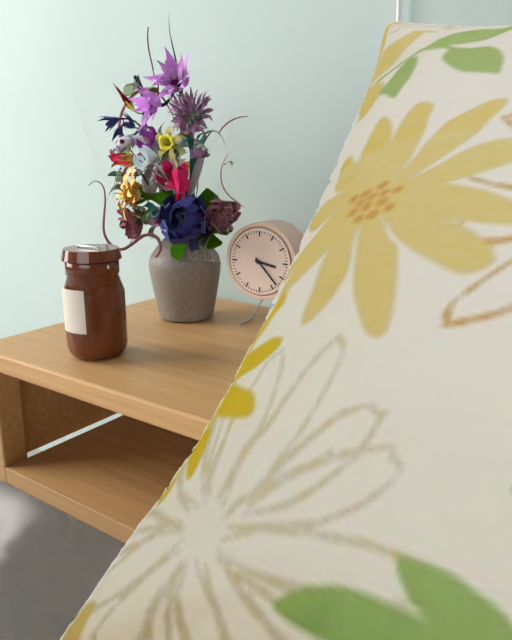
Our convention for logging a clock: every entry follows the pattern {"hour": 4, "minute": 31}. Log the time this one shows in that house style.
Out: {"hour": 3, "minute": 23}
